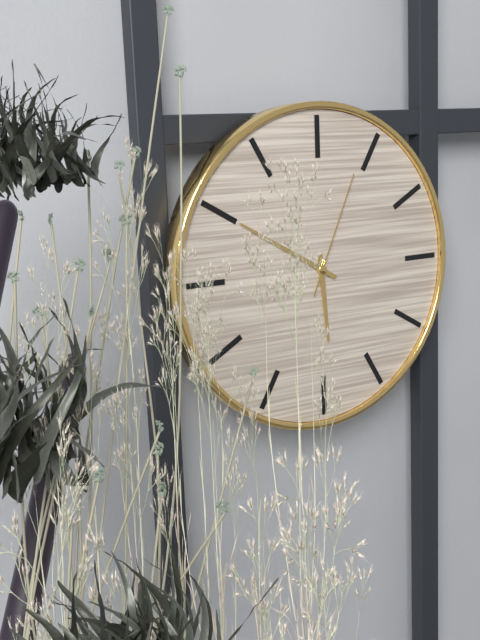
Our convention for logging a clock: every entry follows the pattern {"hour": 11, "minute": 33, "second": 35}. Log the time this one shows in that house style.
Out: {"hour": 5, "minute": 50, "second": 4}
